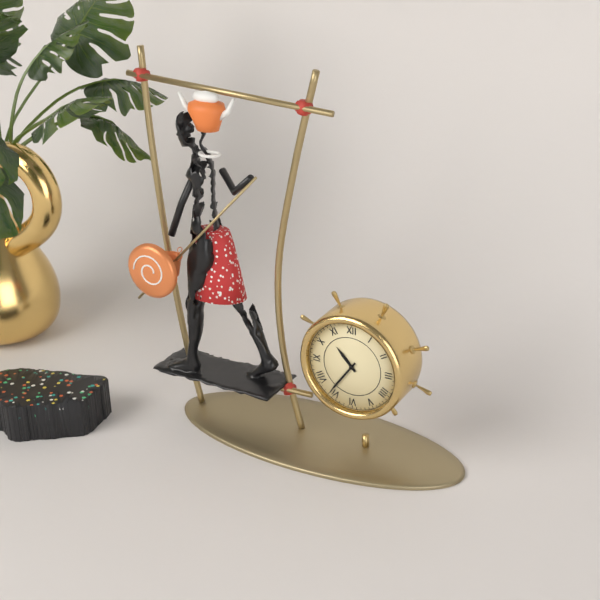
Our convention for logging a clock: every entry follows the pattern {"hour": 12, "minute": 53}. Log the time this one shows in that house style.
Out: {"hour": 10, "minute": 36}
